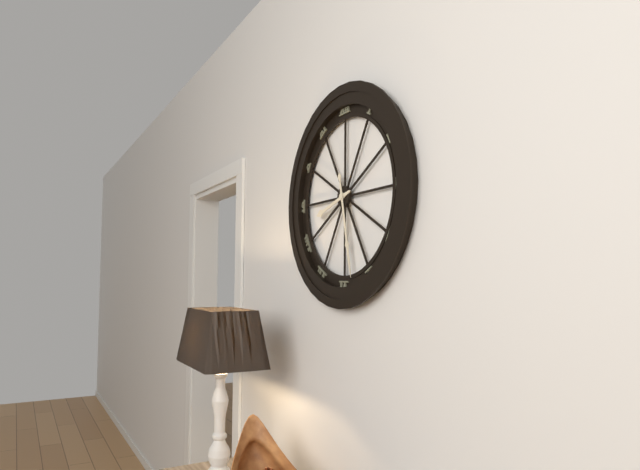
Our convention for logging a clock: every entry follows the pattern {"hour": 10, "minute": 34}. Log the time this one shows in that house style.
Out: {"hour": 8, "minute": 28}
